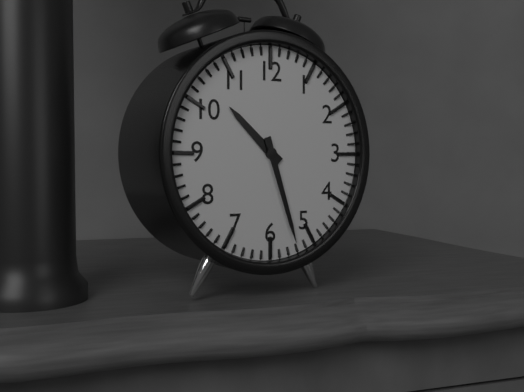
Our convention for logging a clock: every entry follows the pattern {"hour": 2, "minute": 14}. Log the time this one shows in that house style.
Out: {"hour": 10, "minute": 27}
